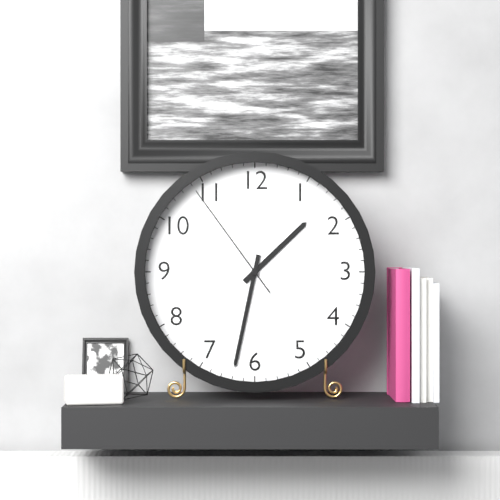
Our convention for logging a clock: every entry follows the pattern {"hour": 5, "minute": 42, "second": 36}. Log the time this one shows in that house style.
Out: {"hour": 1, "minute": 32, "second": 54}
